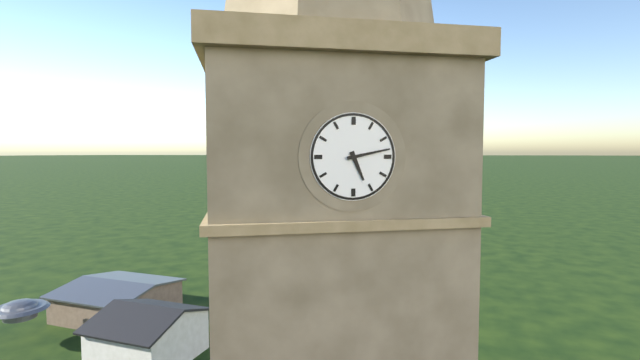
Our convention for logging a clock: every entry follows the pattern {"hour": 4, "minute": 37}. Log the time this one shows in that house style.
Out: {"hour": 5, "minute": 13}
